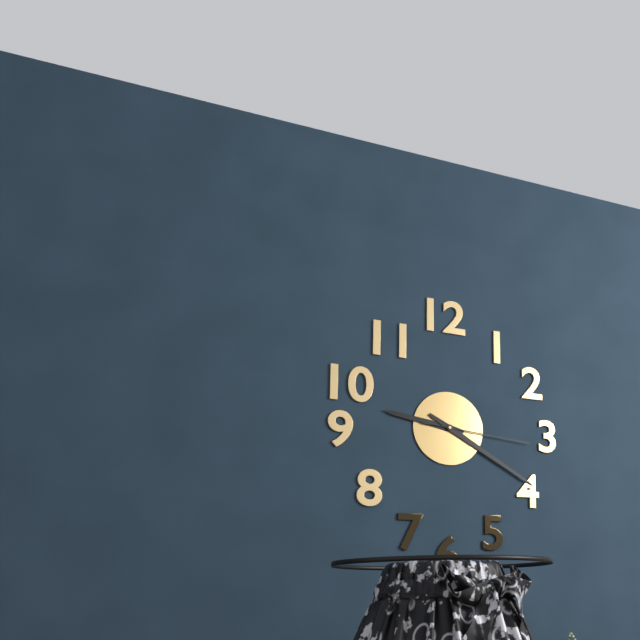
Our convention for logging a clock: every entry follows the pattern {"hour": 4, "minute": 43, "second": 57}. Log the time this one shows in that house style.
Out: {"hour": 9, "minute": 20, "second": 16}
